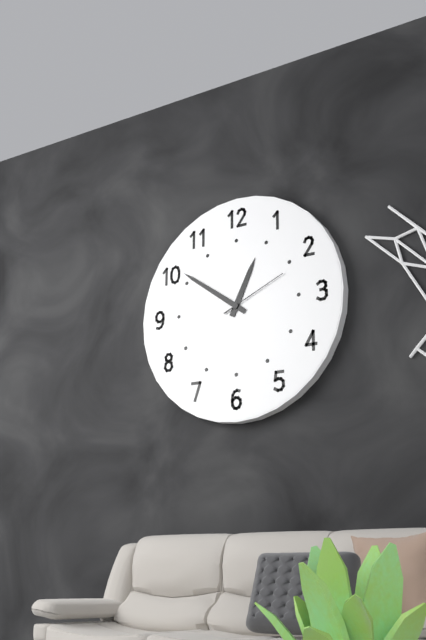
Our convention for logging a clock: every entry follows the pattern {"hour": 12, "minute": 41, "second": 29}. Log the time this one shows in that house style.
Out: {"hour": 12, "minute": 51, "second": 11}
